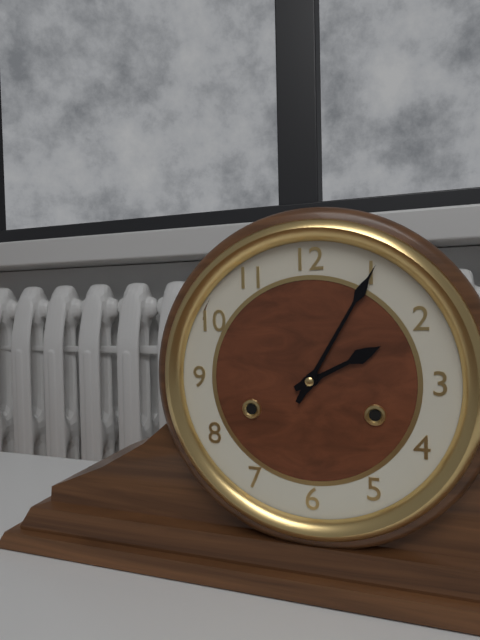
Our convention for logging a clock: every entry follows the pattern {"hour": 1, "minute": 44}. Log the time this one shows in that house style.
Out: {"hour": 2, "minute": 5}
